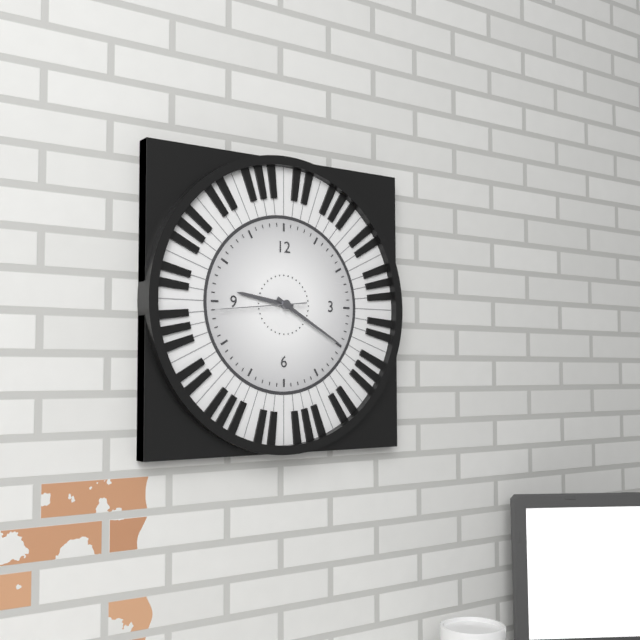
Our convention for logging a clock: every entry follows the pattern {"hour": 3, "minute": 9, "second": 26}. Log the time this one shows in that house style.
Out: {"hour": 9, "minute": 20, "second": 44}
